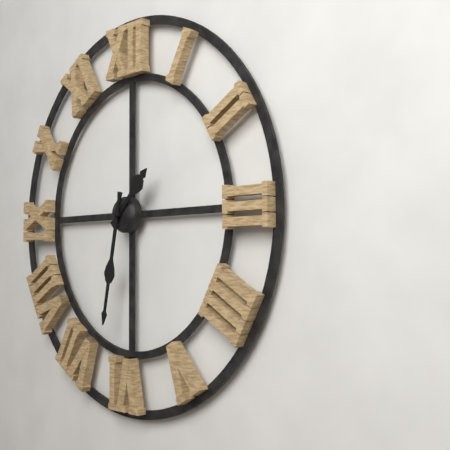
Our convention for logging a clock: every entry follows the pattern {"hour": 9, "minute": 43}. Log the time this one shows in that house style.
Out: {"hour": 1, "minute": 32}
